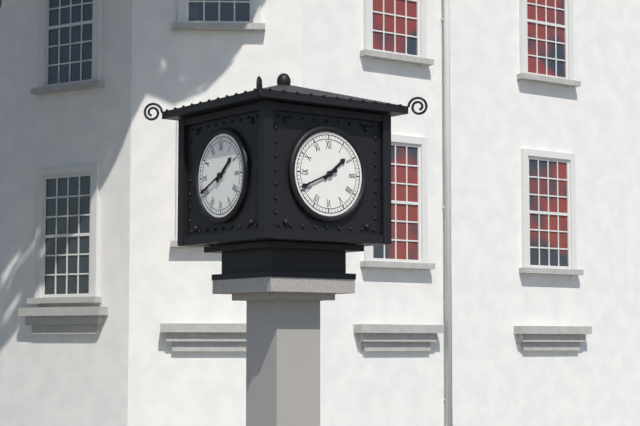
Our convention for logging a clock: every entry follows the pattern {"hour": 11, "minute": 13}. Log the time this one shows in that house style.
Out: {"hour": 1, "minute": 41}
